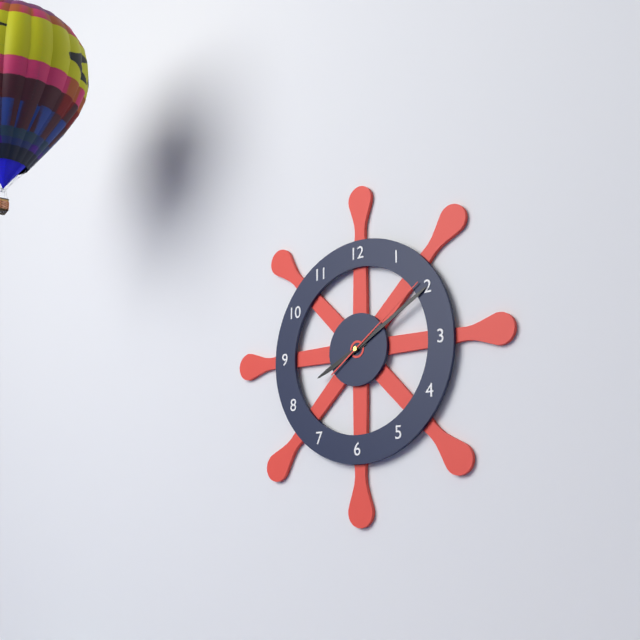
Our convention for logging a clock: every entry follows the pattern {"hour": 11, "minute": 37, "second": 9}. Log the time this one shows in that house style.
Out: {"hour": 8, "minute": 10, "second": 9}
